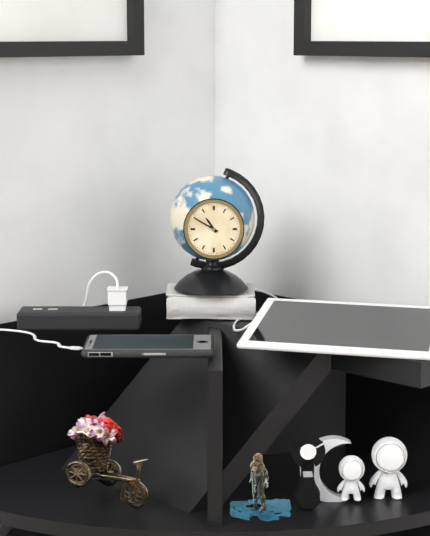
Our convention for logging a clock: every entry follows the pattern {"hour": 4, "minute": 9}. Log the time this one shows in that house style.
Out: {"hour": 10, "minute": 50}
